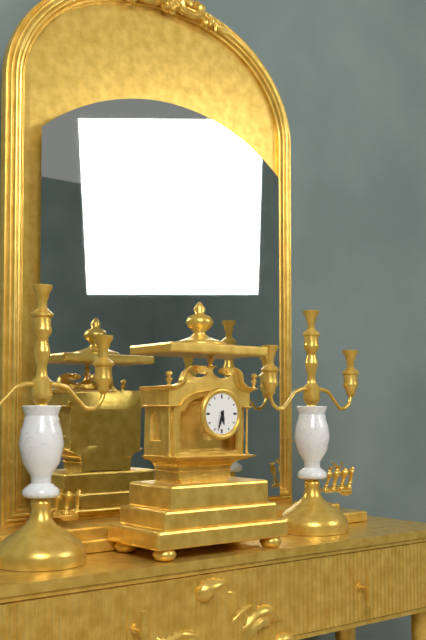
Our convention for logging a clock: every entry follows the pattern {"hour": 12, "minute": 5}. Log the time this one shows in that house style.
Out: {"hour": 5, "minute": 33}
